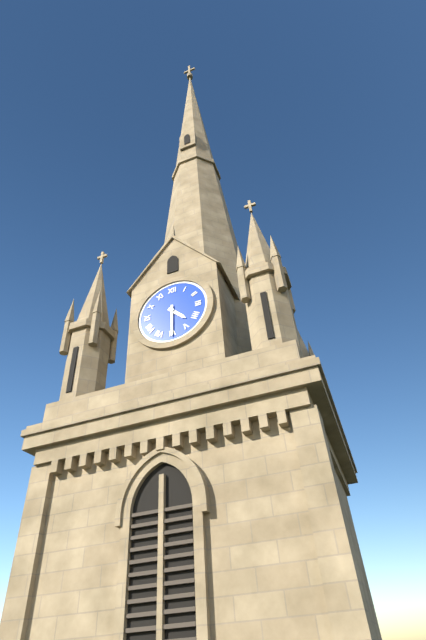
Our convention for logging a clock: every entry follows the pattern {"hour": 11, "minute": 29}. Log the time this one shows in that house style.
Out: {"hour": 4, "minute": 30}
